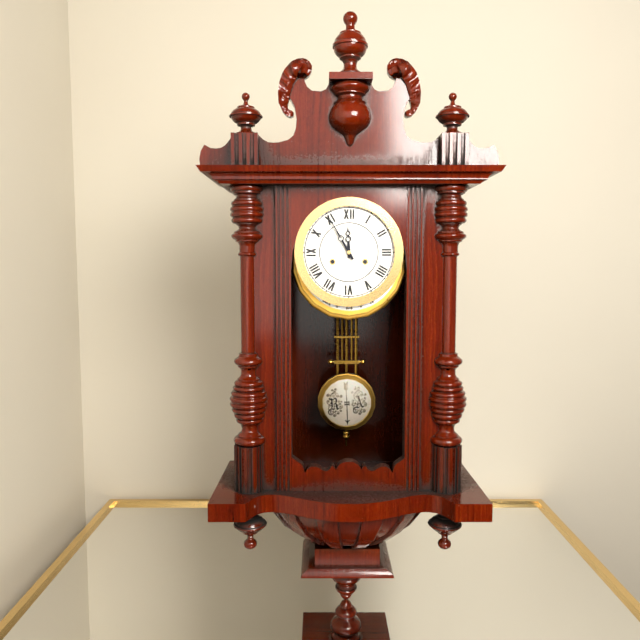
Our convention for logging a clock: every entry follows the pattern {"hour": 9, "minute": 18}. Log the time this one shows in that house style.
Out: {"hour": 11, "minute": 55}
